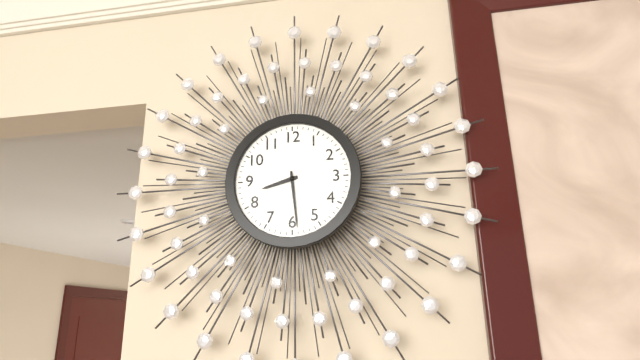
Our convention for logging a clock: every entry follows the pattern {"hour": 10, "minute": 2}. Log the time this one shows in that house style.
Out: {"hour": 8, "minute": 29}
